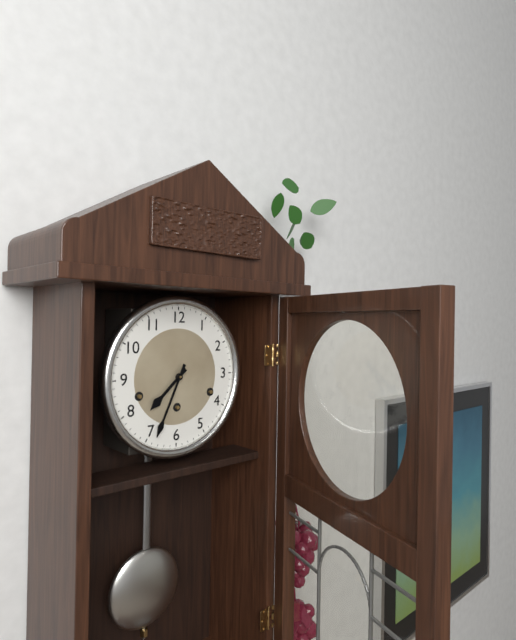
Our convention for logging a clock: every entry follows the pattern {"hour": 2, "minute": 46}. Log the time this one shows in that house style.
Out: {"hour": 7, "minute": 34}
